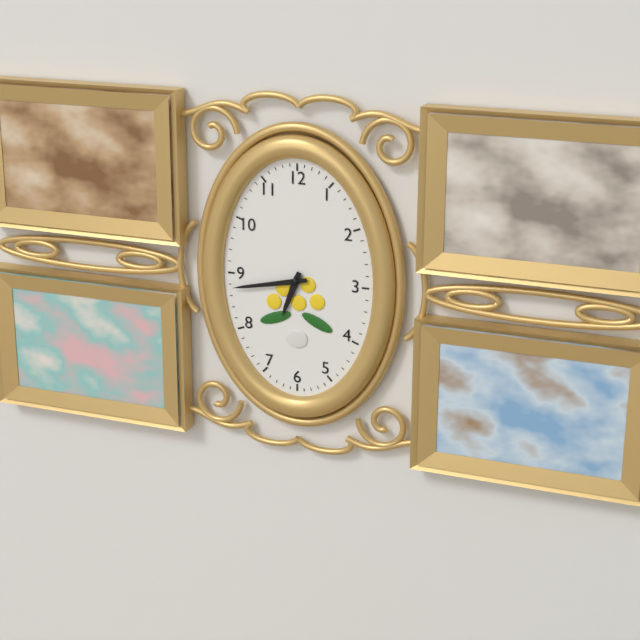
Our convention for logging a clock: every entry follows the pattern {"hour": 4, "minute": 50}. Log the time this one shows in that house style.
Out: {"hour": 6, "minute": 43}
